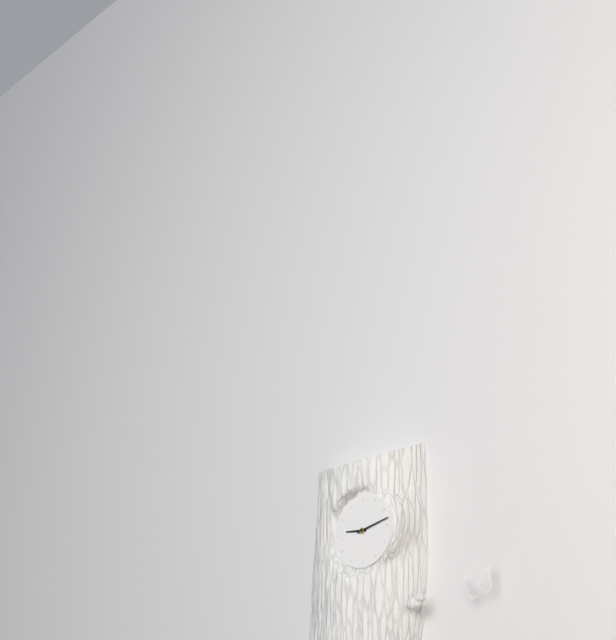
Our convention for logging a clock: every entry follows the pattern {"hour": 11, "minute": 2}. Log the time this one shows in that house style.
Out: {"hour": 9, "minute": 13}
